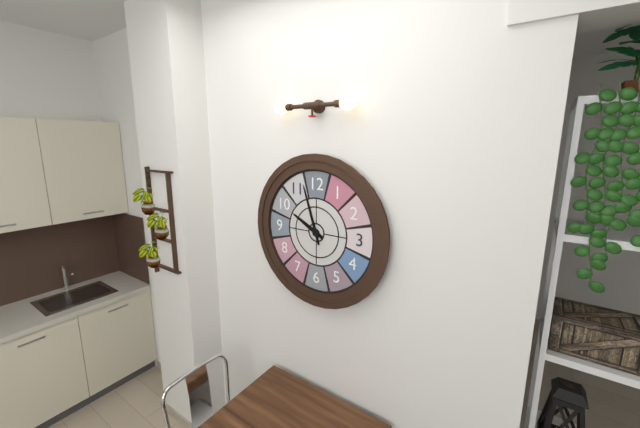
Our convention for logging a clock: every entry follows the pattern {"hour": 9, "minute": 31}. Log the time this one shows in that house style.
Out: {"hour": 9, "minute": 57}
